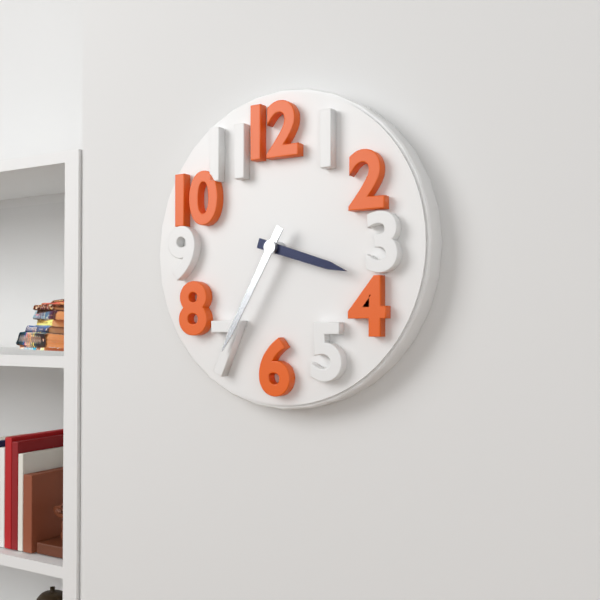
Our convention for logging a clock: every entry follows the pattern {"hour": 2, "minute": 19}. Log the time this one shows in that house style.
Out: {"hour": 3, "minute": 35}
